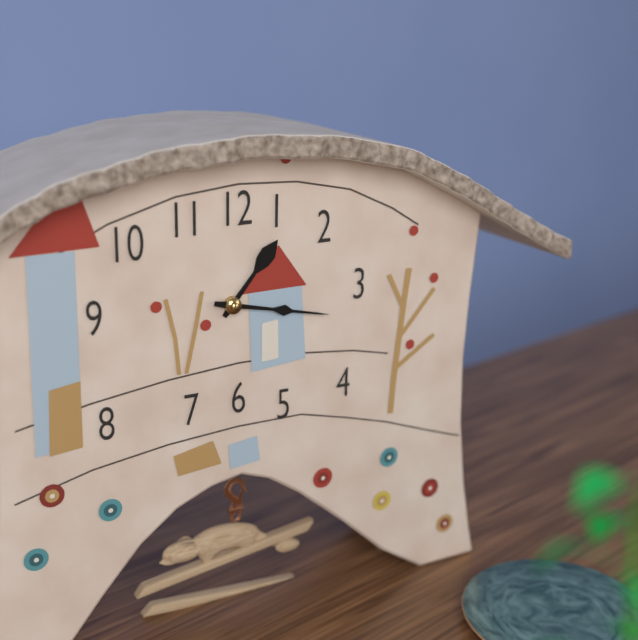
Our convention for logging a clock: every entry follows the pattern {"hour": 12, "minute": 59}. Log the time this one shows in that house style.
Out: {"hour": 1, "minute": 17}
